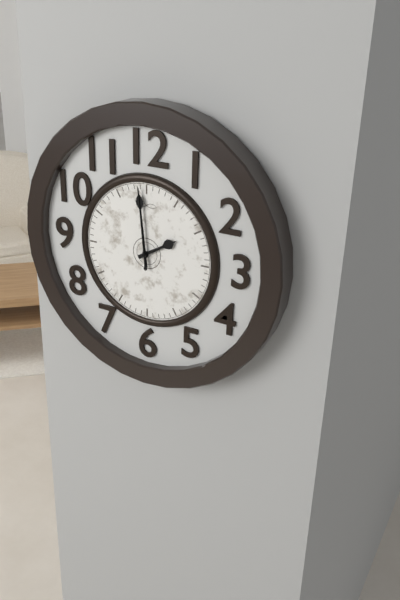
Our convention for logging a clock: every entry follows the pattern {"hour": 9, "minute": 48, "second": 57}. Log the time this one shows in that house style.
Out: {"hour": 1, "minute": 59, "second": 59}
